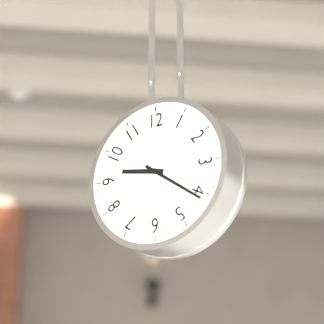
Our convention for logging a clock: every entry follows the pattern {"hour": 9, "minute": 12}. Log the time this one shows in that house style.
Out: {"hour": 9, "minute": 21}
